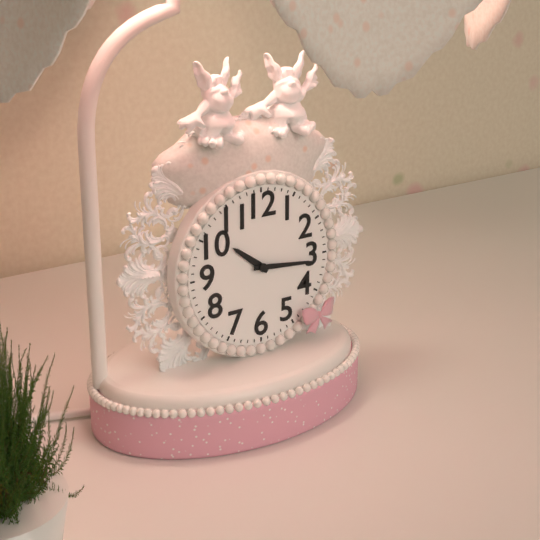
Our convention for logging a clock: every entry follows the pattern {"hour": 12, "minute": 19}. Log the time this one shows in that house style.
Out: {"hour": 10, "minute": 16}
